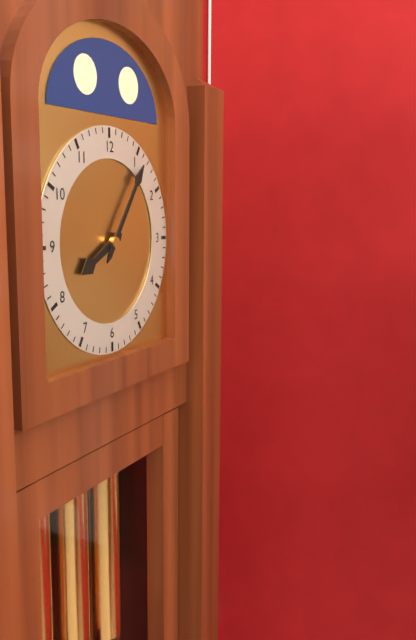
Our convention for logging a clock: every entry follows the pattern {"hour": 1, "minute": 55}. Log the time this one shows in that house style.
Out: {"hour": 8, "minute": 6}
